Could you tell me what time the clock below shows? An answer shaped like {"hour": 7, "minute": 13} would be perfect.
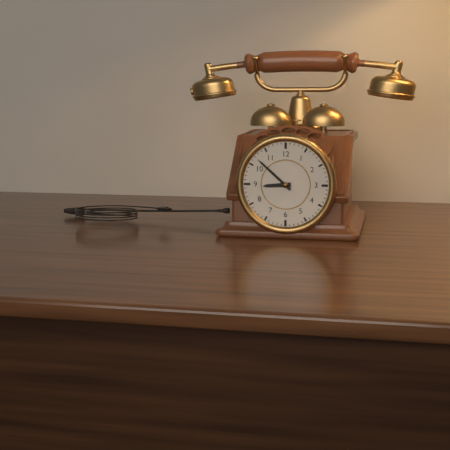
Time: {"hour": 8, "minute": 52}
